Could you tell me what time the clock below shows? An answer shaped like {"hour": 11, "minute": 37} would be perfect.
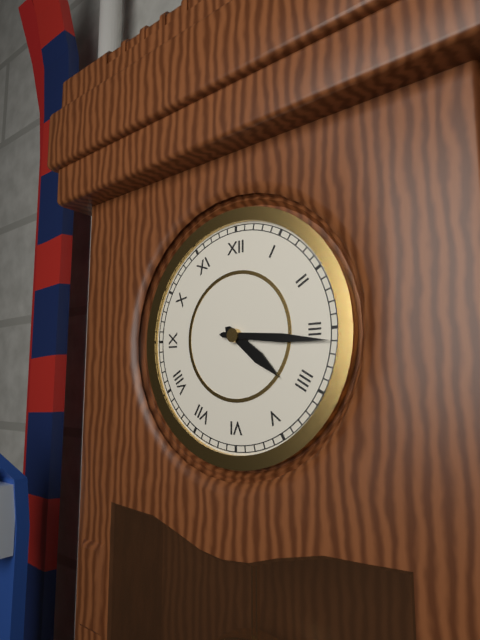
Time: {"hour": 4, "minute": 16}
